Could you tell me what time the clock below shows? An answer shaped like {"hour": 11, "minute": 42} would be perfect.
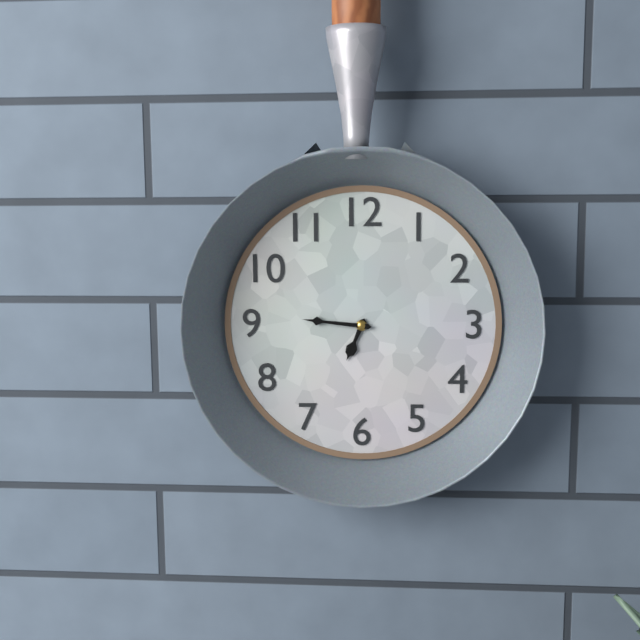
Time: {"hour": 6, "minute": 46}
